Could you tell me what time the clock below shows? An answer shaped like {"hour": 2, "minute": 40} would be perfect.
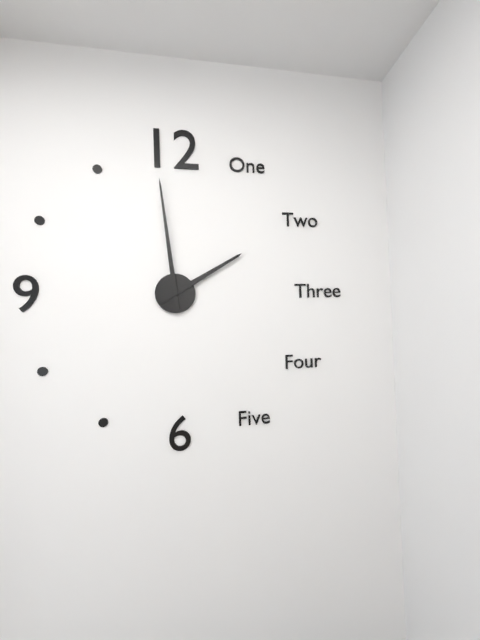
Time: {"hour": 1, "minute": 59}
